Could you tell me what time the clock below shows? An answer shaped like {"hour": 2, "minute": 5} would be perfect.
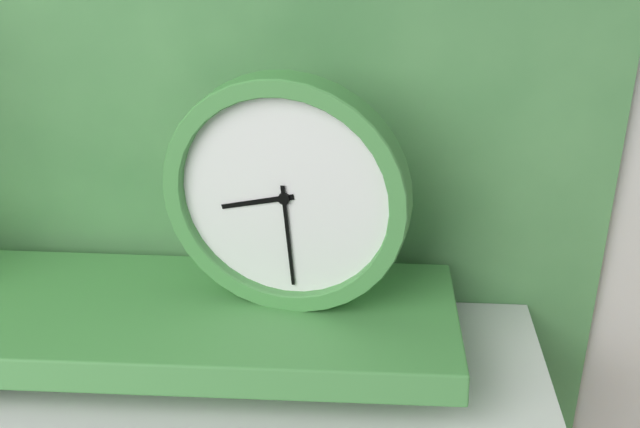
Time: {"hour": 8, "minute": 29}
